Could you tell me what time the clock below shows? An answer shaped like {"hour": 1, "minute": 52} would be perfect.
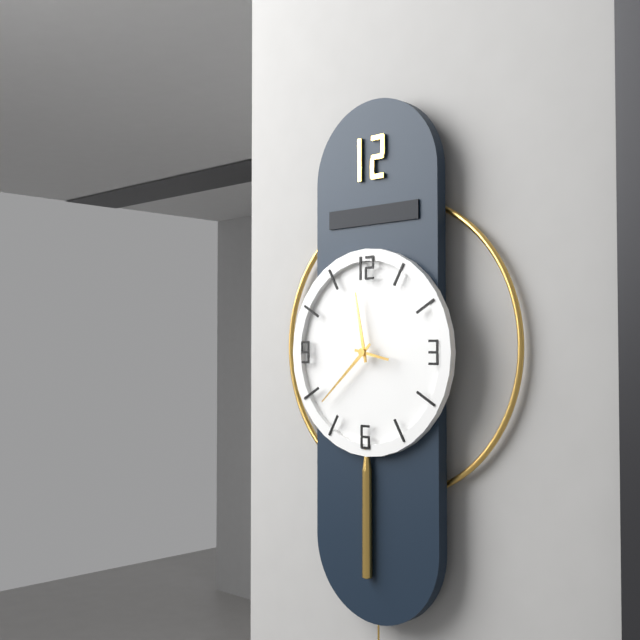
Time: {"hour": 11, "minute": 38}
